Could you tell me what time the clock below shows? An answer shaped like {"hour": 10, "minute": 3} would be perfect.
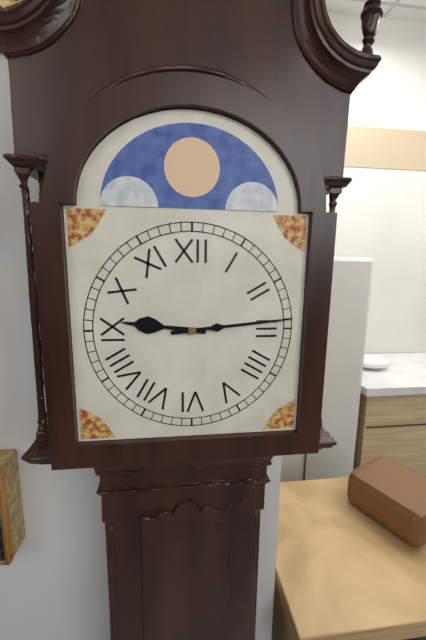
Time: {"hour": 9, "minute": 14}
